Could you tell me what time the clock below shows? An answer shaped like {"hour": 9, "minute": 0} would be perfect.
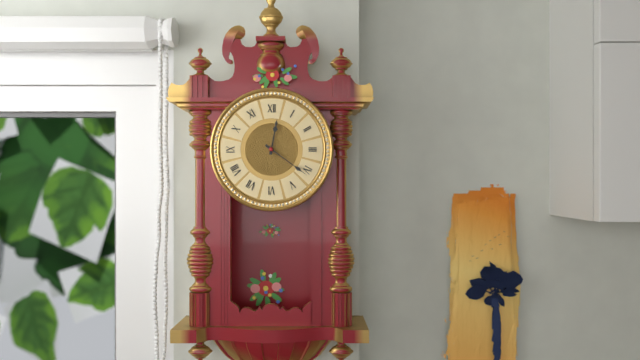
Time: {"hour": 12, "minute": 21}
